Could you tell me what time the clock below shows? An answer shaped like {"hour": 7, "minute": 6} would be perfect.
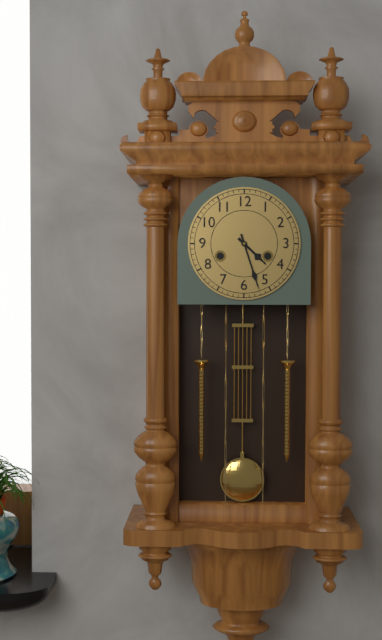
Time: {"hour": 4, "minute": 27}
